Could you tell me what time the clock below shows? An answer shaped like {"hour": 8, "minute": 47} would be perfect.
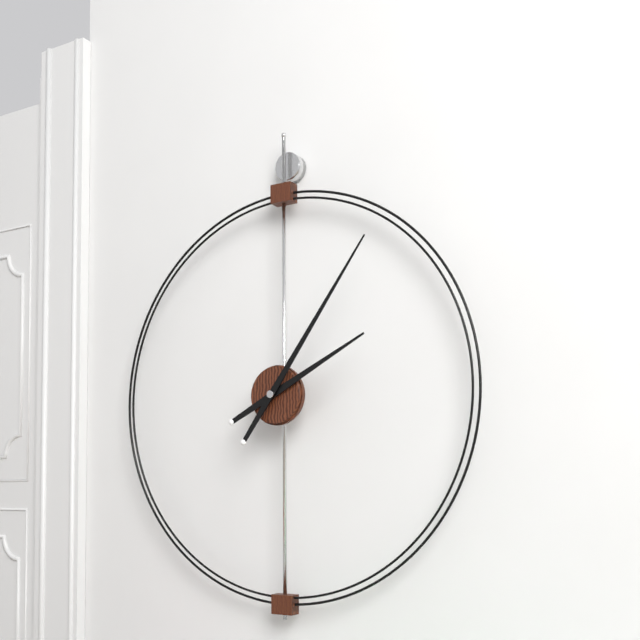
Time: {"hour": 2, "minute": 6}
